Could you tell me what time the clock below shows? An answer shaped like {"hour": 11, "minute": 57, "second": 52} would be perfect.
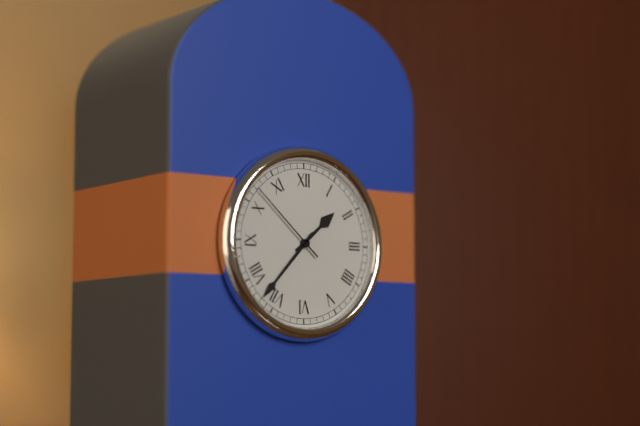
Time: {"hour": 1, "minute": 37, "second": 52}
